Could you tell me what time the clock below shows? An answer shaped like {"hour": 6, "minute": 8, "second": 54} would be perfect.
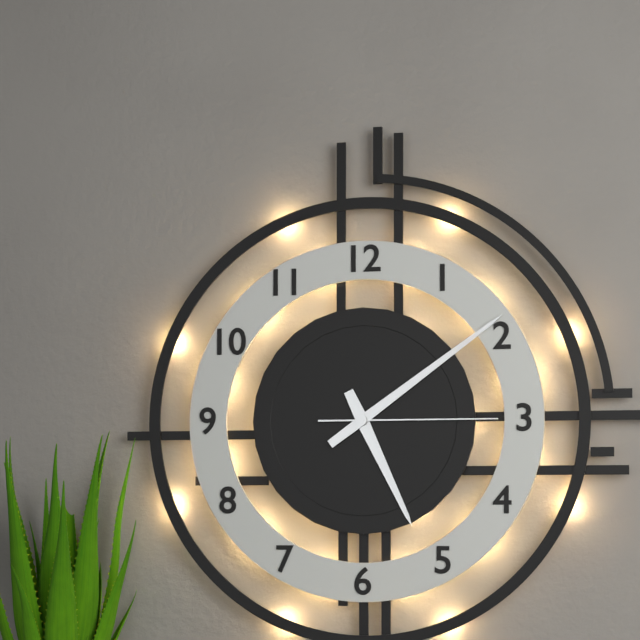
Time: {"hour": 5, "minute": 9, "second": 15}
